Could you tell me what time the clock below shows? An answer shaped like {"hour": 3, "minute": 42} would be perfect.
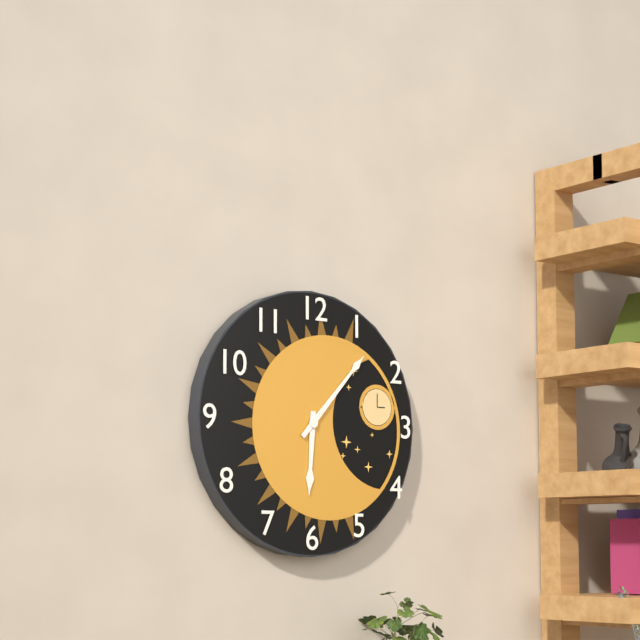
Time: {"hour": 6, "minute": 7}
